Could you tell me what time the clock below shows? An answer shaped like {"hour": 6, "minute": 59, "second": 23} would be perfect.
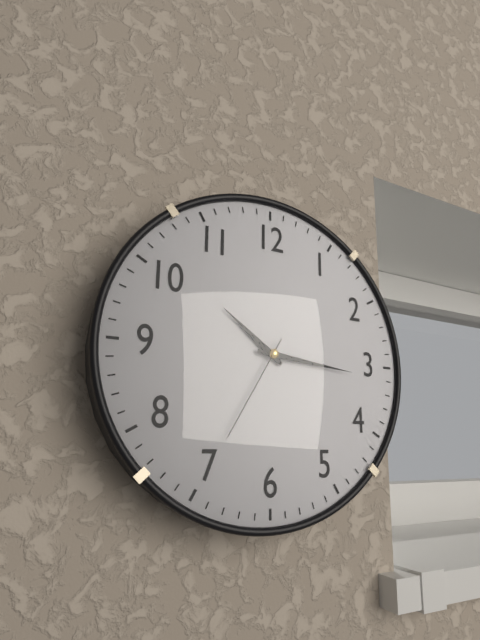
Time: {"hour": 10, "minute": 16, "second": 35}
